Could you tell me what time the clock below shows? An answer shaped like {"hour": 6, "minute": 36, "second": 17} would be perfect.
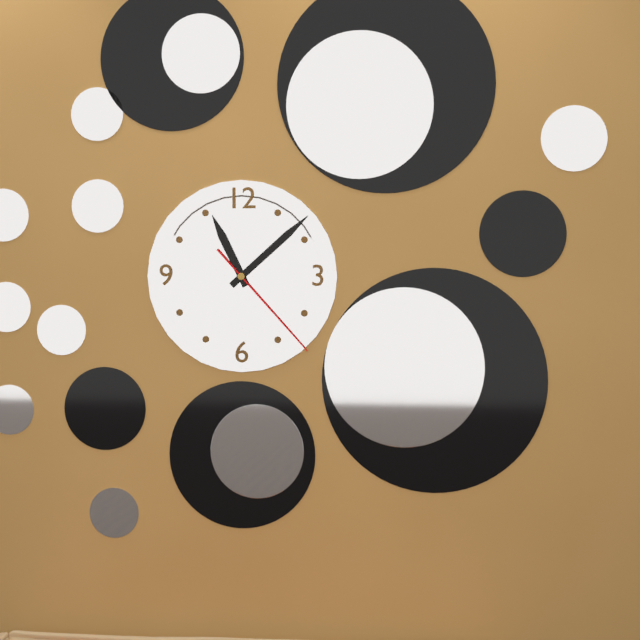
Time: {"hour": 11, "minute": 8, "second": 23}
